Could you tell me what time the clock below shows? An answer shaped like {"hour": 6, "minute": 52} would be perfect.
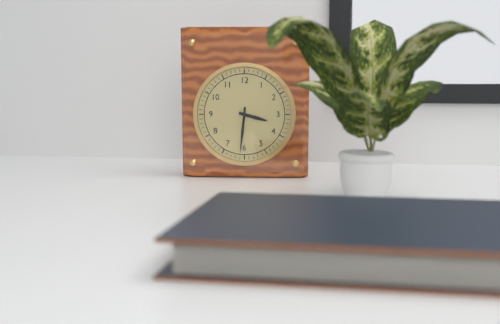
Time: {"hour": 3, "minute": 31}
